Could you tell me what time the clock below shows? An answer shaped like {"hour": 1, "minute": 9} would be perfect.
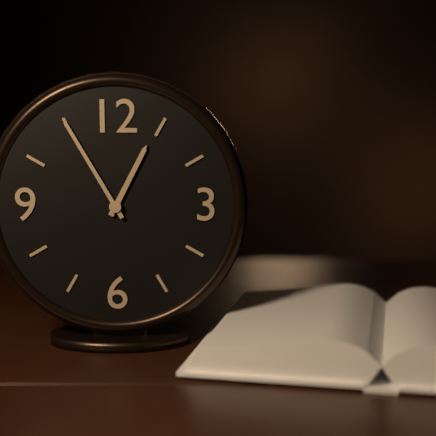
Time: {"hour": 12, "minute": 55}
